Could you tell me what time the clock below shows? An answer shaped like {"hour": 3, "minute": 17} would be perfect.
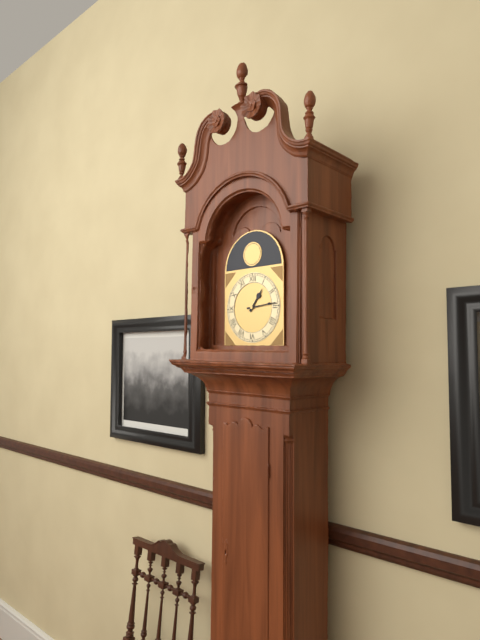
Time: {"hour": 1, "minute": 14}
